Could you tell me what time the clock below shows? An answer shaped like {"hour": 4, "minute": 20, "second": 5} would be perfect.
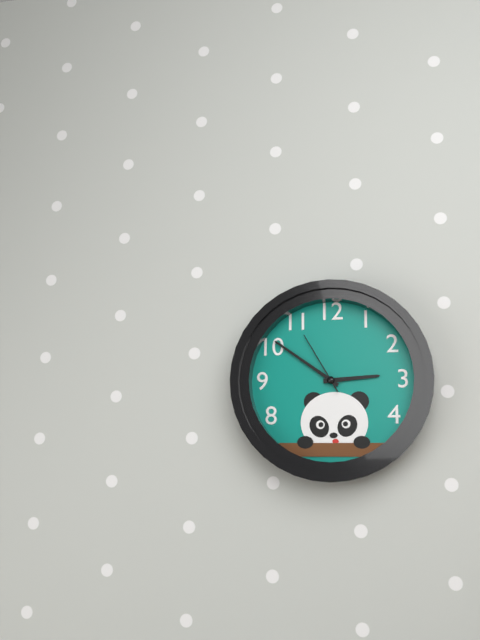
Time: {"hour": 2, "minute": 51, "second": 55}
